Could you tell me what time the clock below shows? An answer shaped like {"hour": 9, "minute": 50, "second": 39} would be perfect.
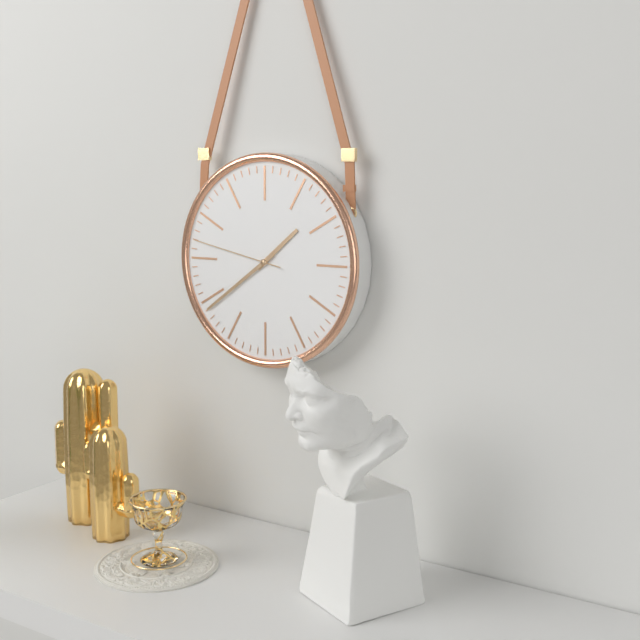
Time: {"hour": 1, "minute": 39, "second": 47}
